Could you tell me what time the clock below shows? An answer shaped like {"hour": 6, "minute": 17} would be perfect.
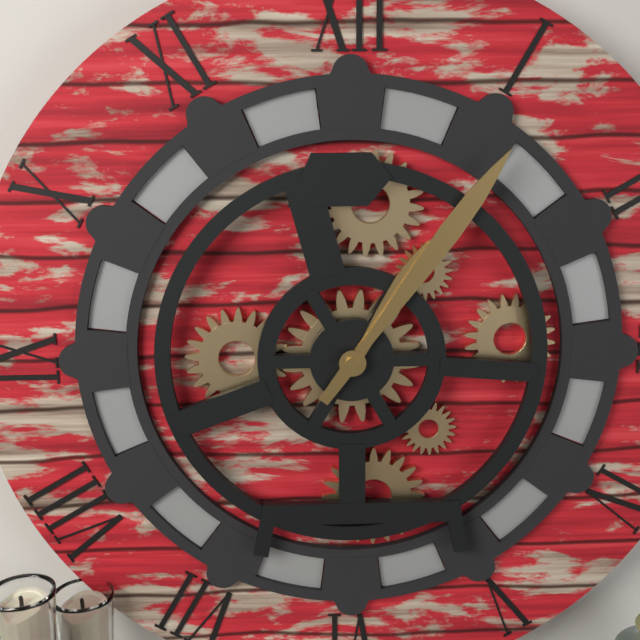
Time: {"hour": 1, "minute": 6}
